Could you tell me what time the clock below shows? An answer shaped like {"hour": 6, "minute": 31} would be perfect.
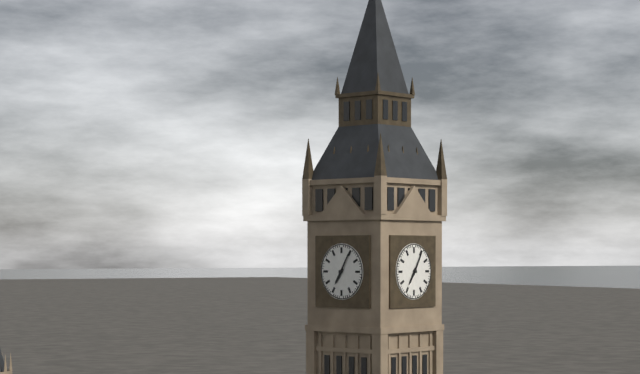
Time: {"hour": 7, "minute": 5}
